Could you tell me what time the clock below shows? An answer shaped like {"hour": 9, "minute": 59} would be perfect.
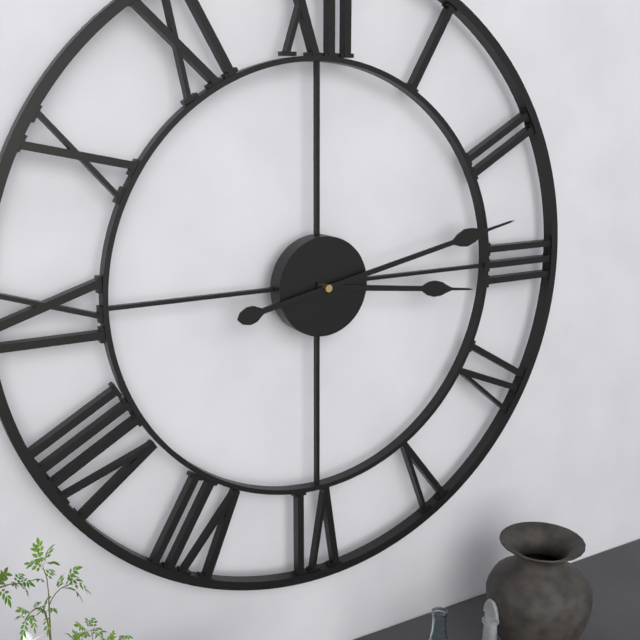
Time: {"hour": 3, "minute": 13}
